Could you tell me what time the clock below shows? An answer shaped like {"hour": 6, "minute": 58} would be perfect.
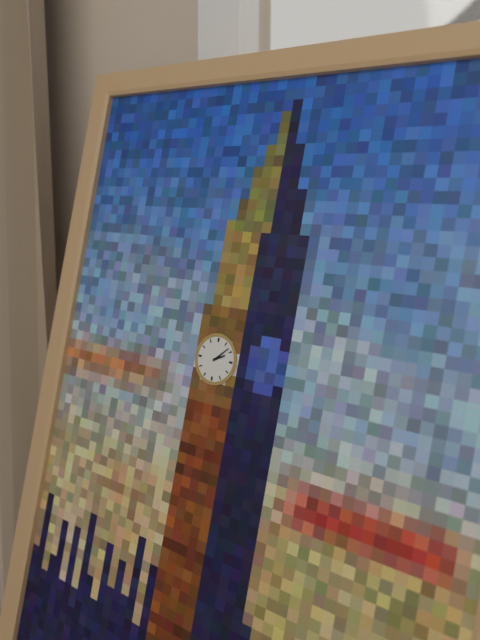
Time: {"hour": 2, "minute": 8}
